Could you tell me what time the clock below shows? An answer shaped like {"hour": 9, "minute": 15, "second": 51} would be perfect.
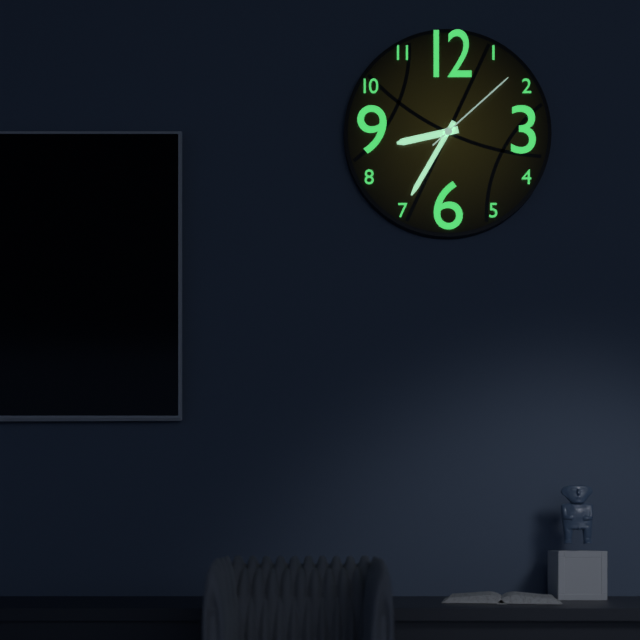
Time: {"hour": 8, "minute": 35, "second": 8}
